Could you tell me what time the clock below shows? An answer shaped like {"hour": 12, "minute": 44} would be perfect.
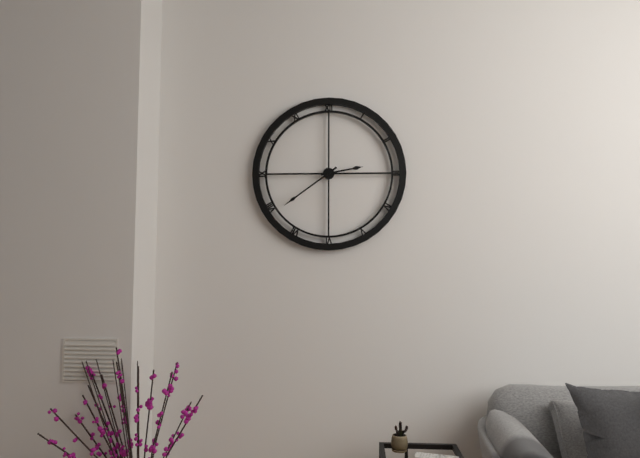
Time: {"hour": 2, "minute": 39}
